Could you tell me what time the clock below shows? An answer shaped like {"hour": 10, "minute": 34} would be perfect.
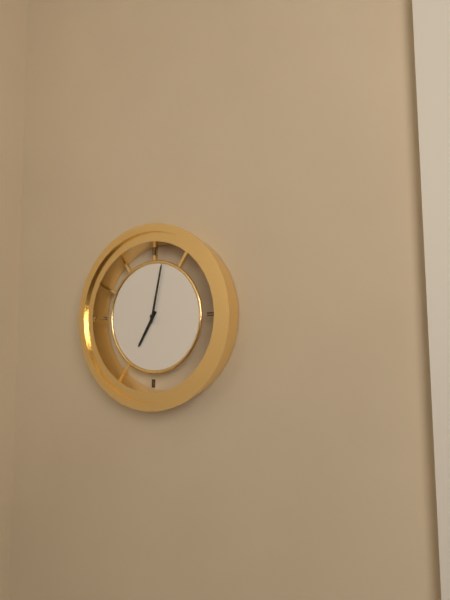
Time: {"hour": 7, "minute": 2}
